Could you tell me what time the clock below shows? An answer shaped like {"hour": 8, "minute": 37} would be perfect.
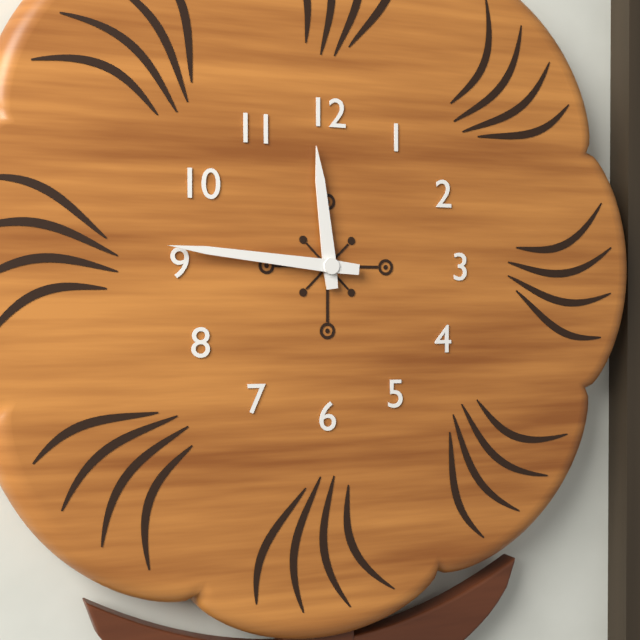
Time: {"hour": 11, "minute": 46}
